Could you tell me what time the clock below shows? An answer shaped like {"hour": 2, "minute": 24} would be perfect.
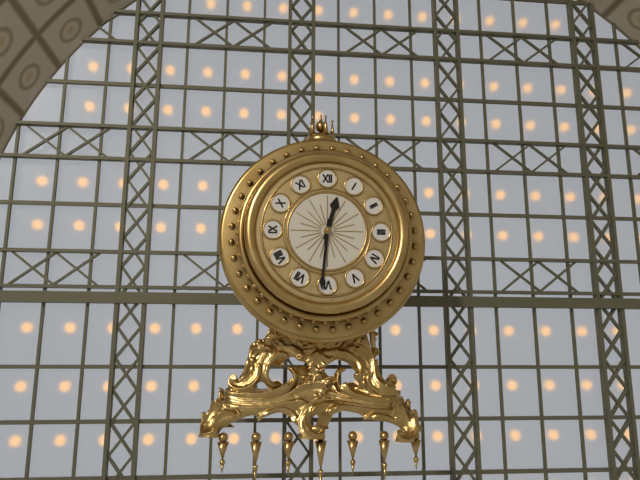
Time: {"hour": 12, "minute": 31}
